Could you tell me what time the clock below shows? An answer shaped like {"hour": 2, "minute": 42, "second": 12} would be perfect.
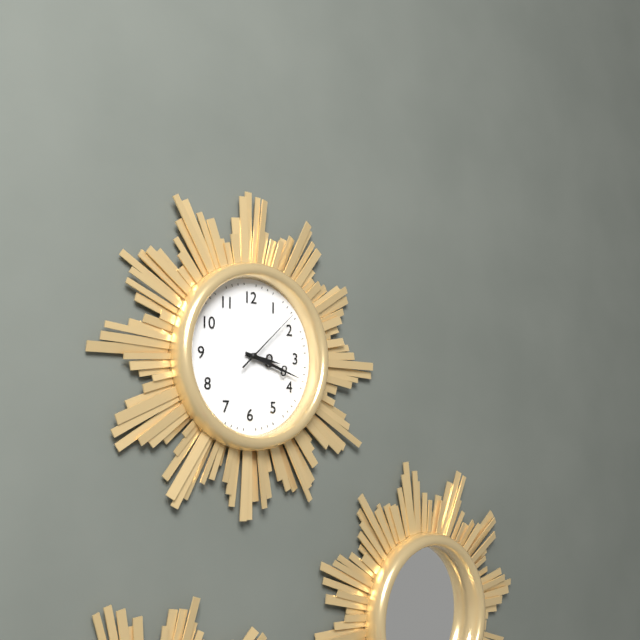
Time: {"hour": 3, "minute": 18, "second": 8}
